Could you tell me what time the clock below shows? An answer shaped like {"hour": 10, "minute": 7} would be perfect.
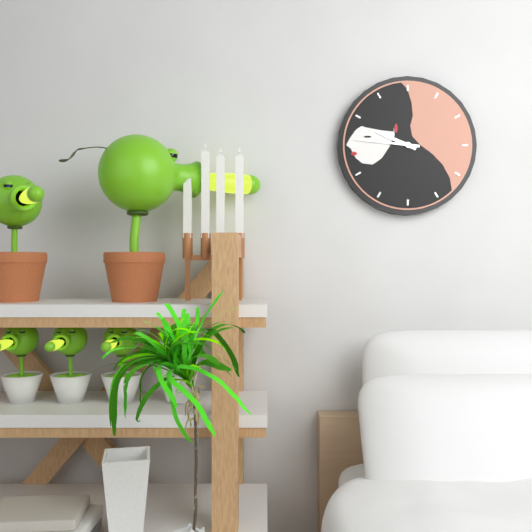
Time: {"hour": 9, "minute": 46}
